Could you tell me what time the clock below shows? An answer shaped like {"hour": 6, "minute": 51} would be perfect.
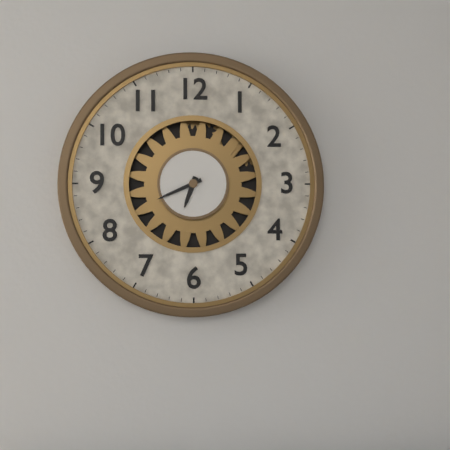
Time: {"hour": 6, "minute": 41}
